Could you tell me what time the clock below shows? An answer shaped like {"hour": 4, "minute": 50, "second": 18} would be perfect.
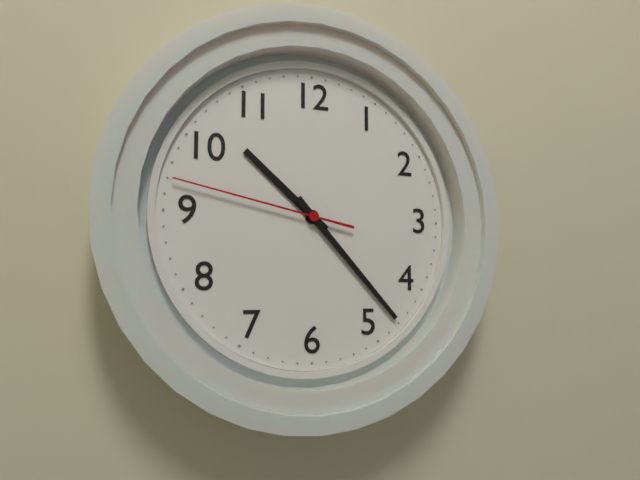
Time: {"hour": 10, "minute": 23, "second": 47}
